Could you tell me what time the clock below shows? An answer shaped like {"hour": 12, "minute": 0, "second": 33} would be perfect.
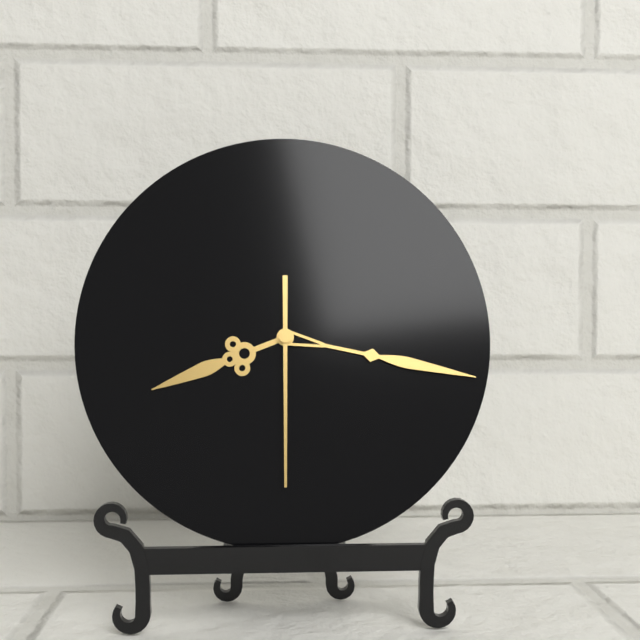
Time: {"hour": 8, "minute": 17, "second": 30}
